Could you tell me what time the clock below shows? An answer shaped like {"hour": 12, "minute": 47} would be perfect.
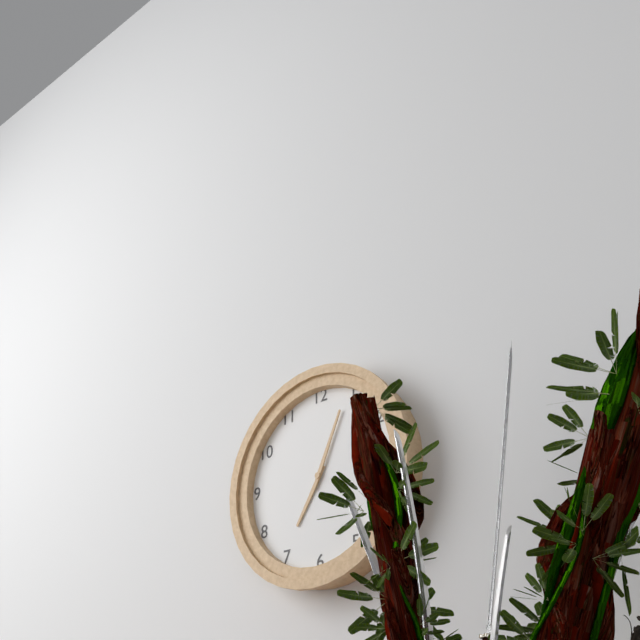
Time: {"hour": 7, "minute": 4}
